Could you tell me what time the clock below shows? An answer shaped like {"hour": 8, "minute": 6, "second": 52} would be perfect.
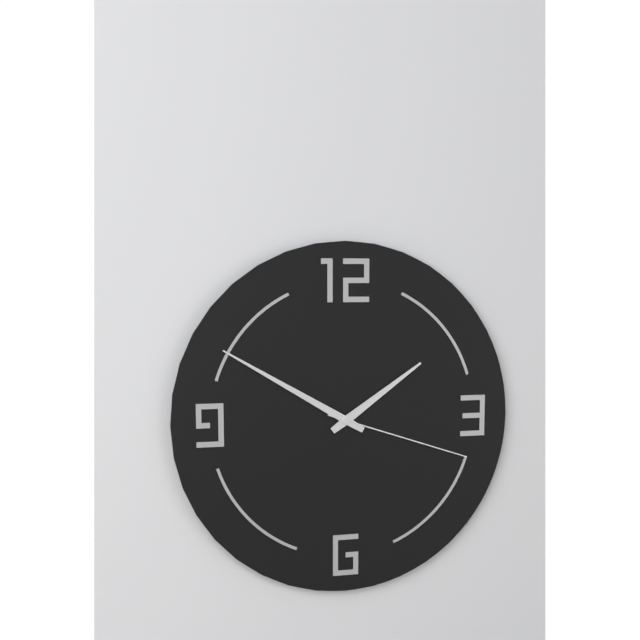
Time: {"hour": 1, "minute": 50, "second": 18}
